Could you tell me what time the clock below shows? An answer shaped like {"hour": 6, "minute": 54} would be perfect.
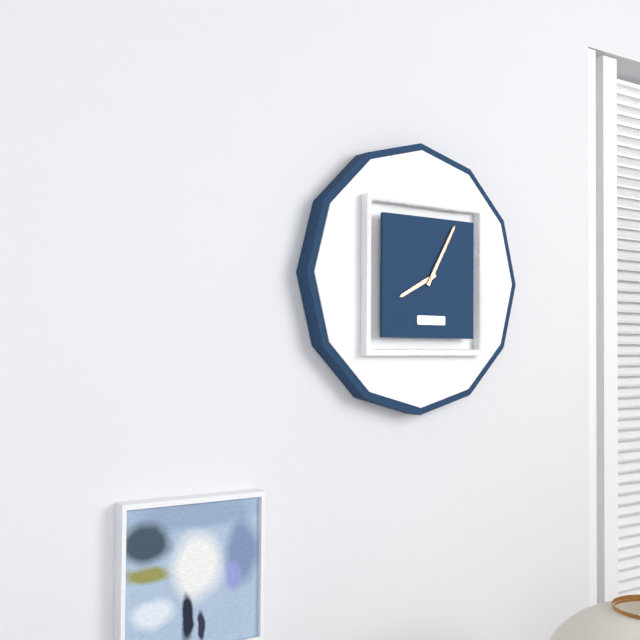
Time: {"hour": 8, "minute": 5}
